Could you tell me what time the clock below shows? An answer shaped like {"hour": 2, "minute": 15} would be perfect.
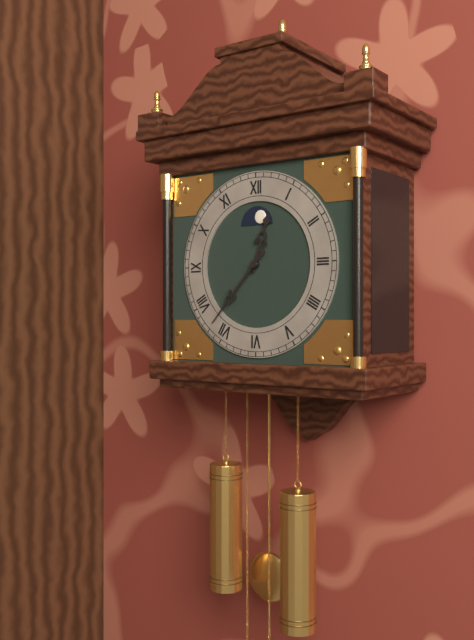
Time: {"hour": 12, "minute": 37}
